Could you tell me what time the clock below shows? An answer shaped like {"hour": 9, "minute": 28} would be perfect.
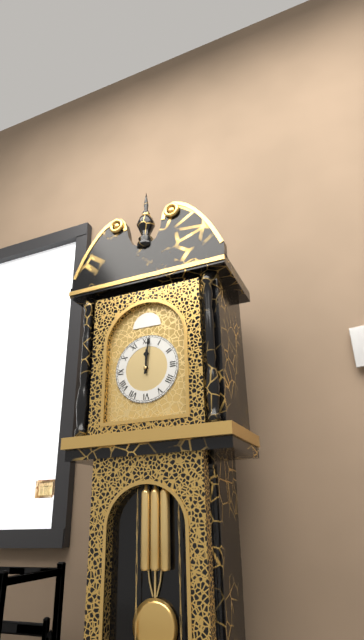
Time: {"hour": 12, "minute": 1}
